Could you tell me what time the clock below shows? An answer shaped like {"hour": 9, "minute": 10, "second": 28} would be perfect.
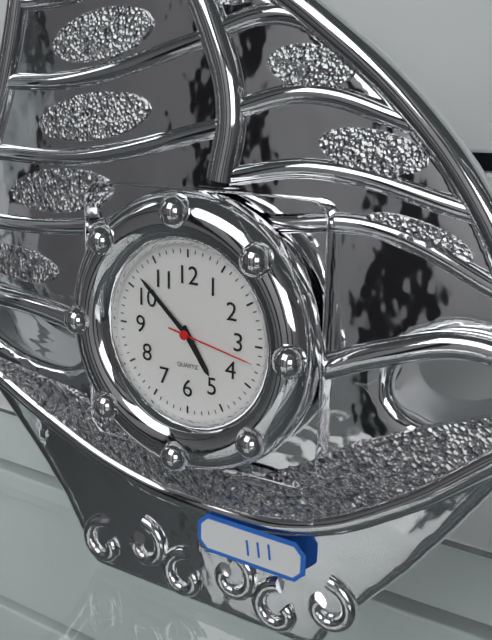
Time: {"hour": 4, "minute": 52, "second": 17}
